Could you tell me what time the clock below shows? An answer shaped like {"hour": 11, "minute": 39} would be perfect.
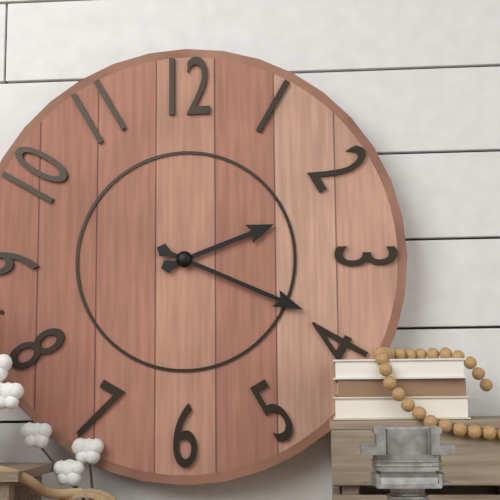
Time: {"hour": 2, "minute": 19}
